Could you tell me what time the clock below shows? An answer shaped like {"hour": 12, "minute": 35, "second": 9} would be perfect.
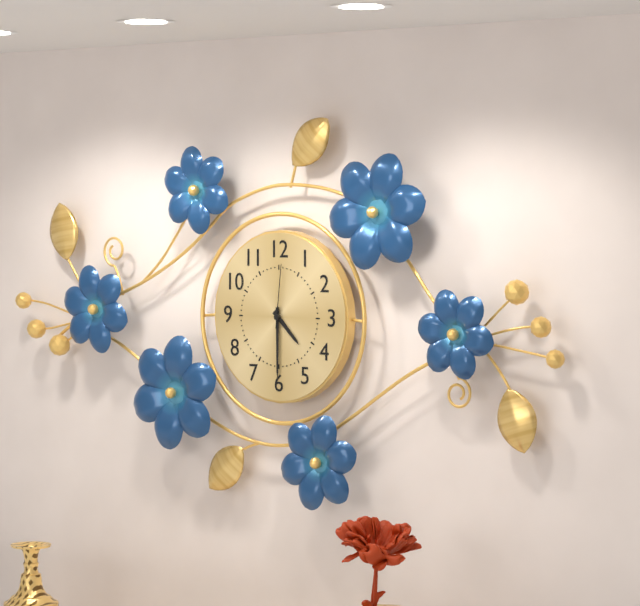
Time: {"hour": 4, "minute": 30, "second": 1}
